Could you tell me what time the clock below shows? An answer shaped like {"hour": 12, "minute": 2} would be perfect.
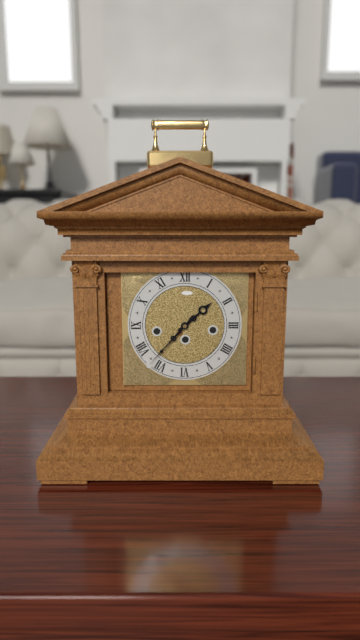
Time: {"hour": 1, "minute": 37}
